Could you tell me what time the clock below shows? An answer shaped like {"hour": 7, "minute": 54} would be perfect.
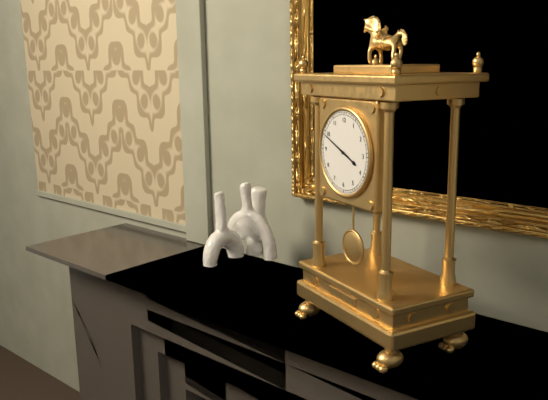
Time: {"hour": 3, "minute": 49}
